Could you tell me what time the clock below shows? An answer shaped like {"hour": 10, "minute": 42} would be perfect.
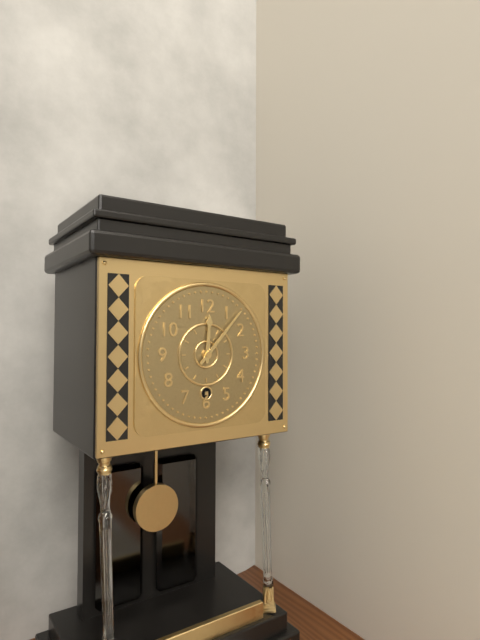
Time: {"hour": 12, "minute": 7}
